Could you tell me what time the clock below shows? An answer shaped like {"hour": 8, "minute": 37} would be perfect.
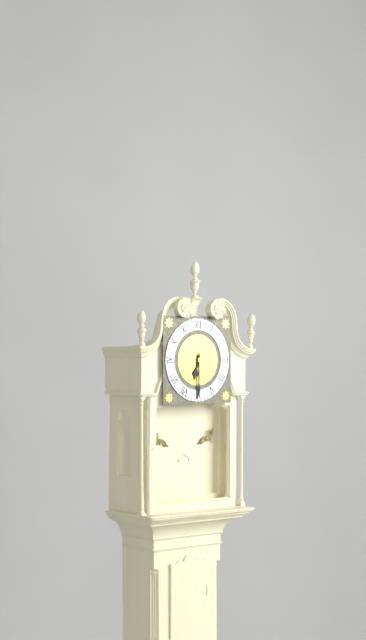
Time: {"hour": 6, "minute": 30}
